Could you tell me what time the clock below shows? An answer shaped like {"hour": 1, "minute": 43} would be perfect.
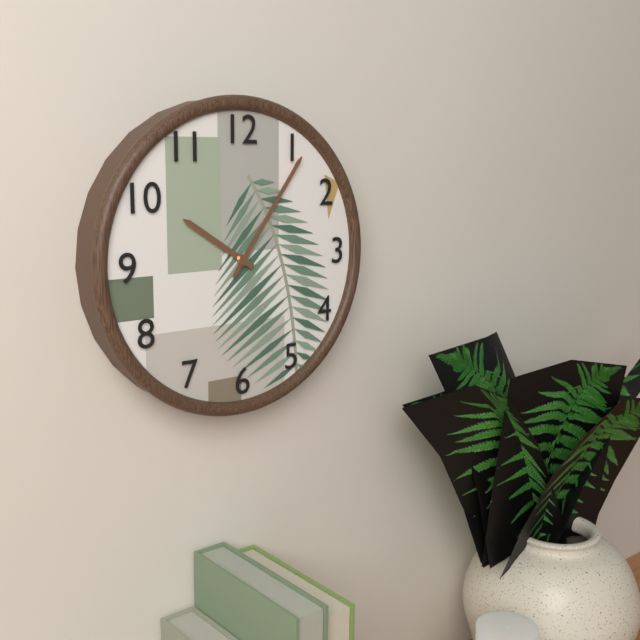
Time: {"hour": 10, "minute": 6}
